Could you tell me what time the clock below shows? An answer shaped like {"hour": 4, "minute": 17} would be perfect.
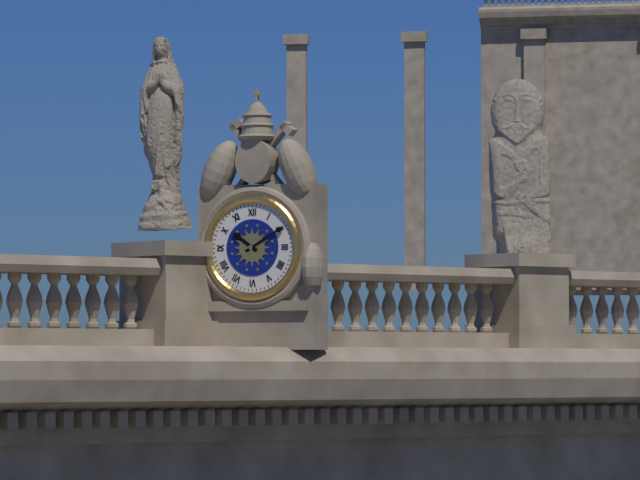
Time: {"hour": 10, "minute": 10}
